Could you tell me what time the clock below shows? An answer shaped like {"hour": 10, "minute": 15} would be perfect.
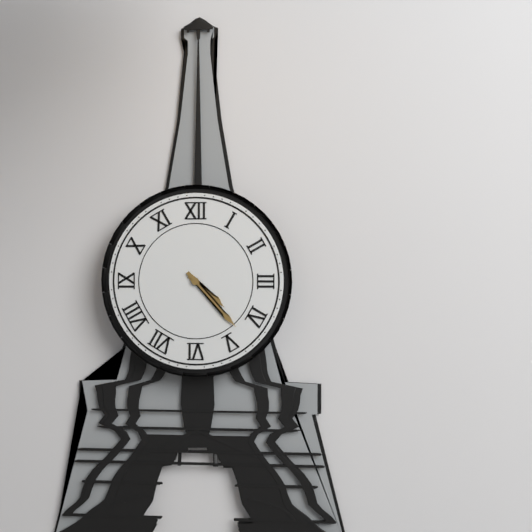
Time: {"hour": 4, "minute": 23}
